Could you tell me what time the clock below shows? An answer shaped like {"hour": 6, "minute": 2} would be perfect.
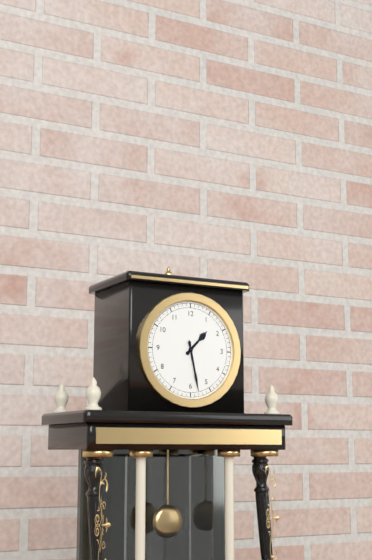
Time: {"hour": 1, "minute": 28}
